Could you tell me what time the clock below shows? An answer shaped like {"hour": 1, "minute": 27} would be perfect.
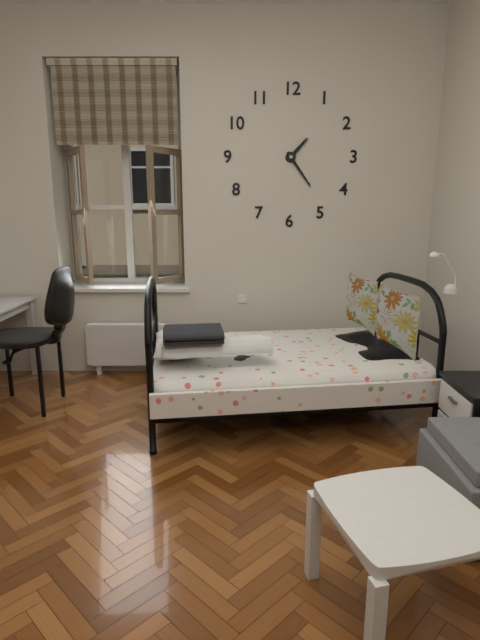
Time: {"hour": 1, "minute": 24}
